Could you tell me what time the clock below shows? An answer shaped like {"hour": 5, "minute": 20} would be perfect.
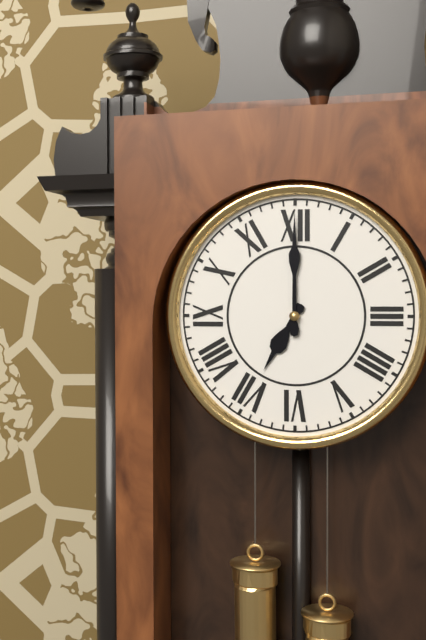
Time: {"hour": 7, "minute": 0}
